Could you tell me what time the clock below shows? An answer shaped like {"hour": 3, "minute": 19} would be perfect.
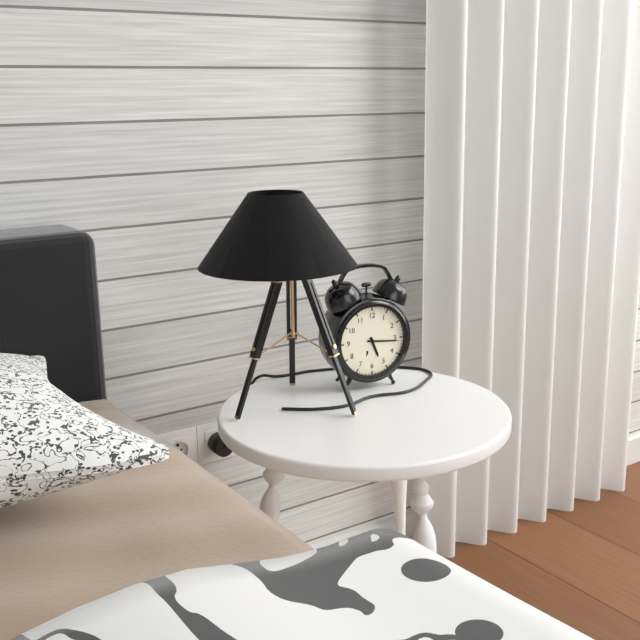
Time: {"hour": 5, "minute": 16}
